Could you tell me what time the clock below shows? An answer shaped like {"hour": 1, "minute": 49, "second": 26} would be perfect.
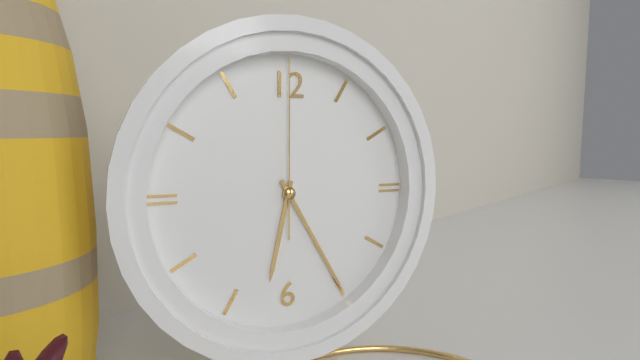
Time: {"hour": 6, "minute": 25, "second": 0}
